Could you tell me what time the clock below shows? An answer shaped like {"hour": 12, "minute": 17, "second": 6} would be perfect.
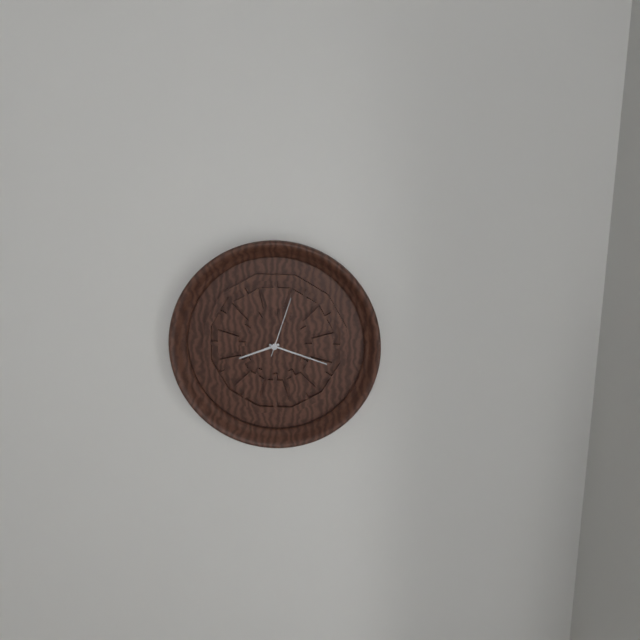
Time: {"hour": 8, "minute": 18, "second": 3}
